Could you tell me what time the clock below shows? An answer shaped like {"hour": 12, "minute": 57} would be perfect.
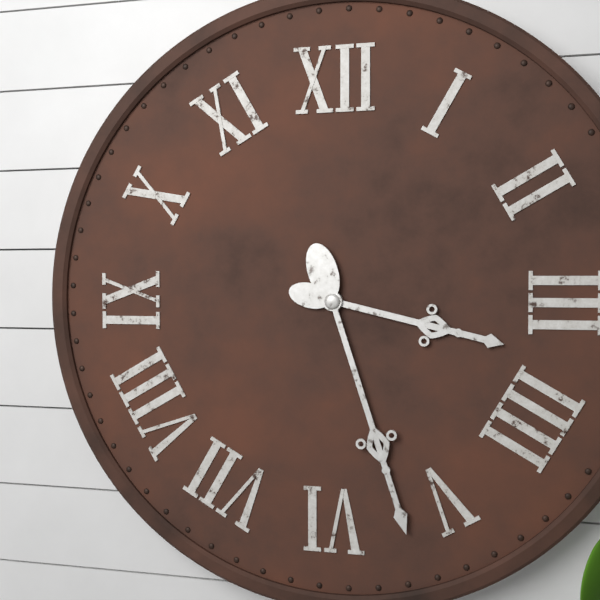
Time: {"hour": 3, "minute": 27}
